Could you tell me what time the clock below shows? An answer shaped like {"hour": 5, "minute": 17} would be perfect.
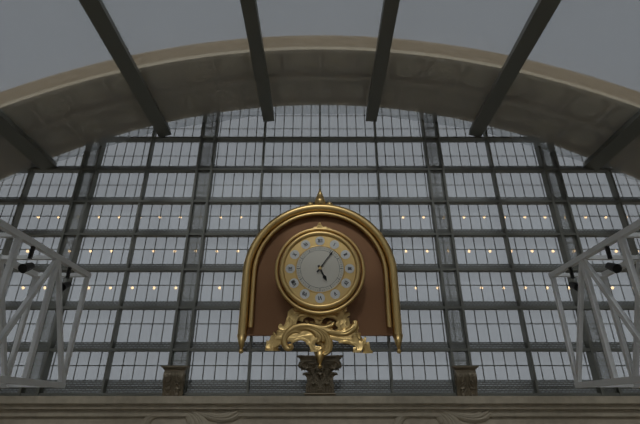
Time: {"hour": 5, "minute": 6}
